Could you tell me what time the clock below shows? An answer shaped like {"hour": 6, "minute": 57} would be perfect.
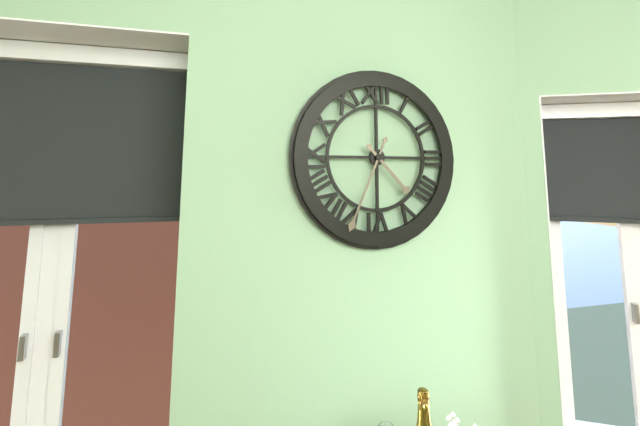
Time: {"hour": 4, "minute": 34}
